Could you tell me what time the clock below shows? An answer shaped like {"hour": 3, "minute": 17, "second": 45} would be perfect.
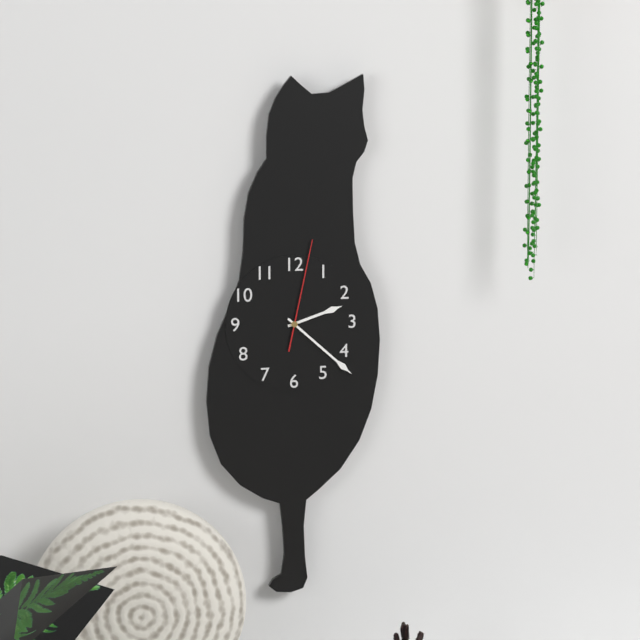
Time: {"hour": 2, "minute": 22, "second": 2}
